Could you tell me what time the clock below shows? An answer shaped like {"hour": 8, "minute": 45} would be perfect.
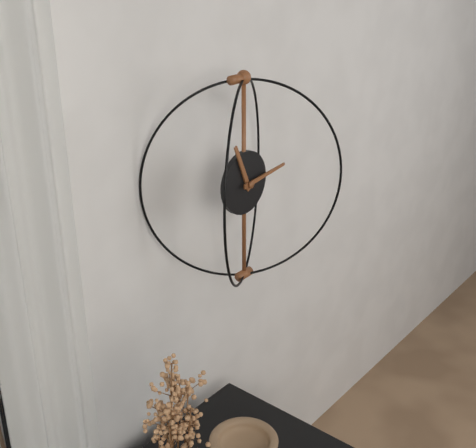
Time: {"hour": 11, "minute": 14}
